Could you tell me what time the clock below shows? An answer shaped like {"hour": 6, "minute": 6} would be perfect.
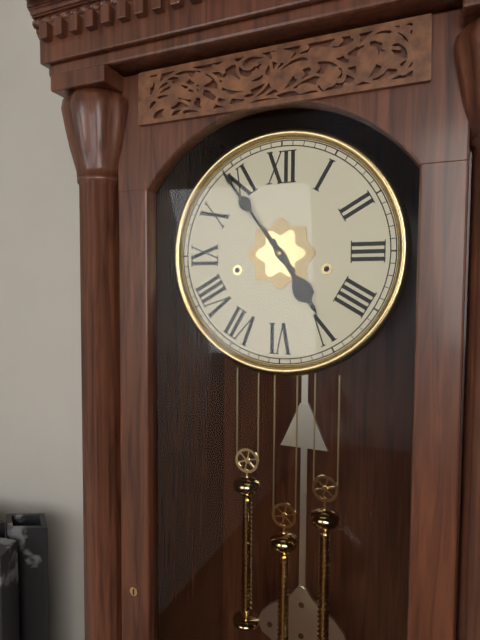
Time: {"hour": 4, "minute": 54}
